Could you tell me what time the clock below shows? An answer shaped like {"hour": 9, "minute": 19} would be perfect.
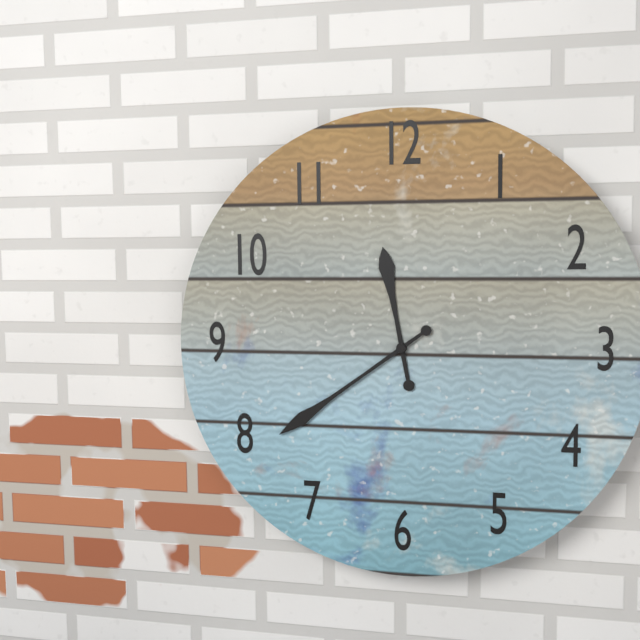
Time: {"hour": 11, "minute": 39}
